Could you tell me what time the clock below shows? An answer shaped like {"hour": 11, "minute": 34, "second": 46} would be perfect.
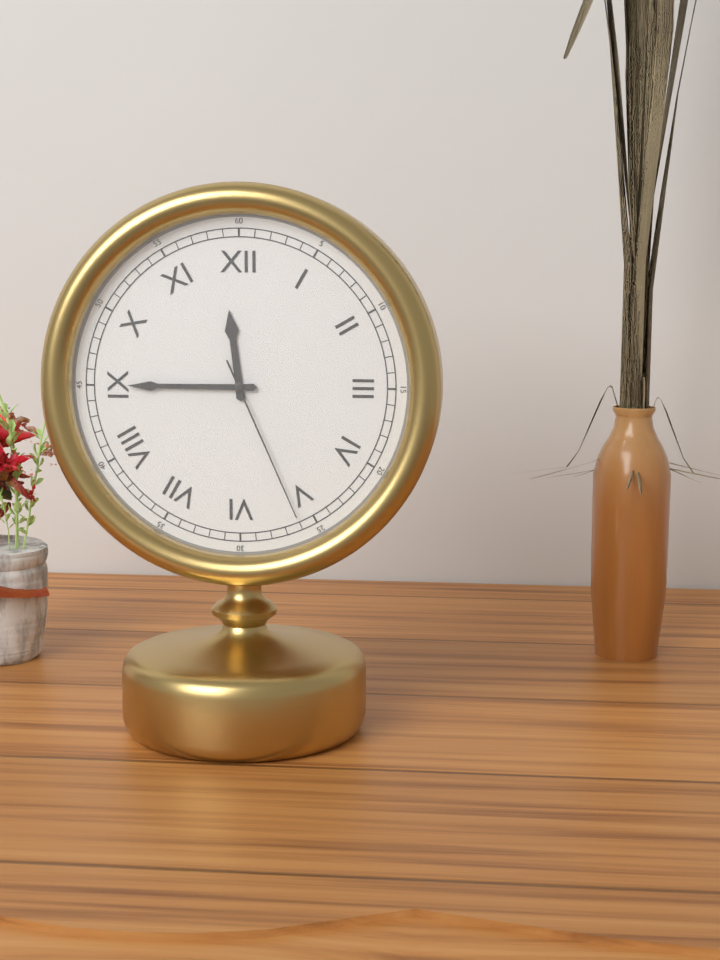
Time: {"hour": 11, "minute": 45, "second": 26}
